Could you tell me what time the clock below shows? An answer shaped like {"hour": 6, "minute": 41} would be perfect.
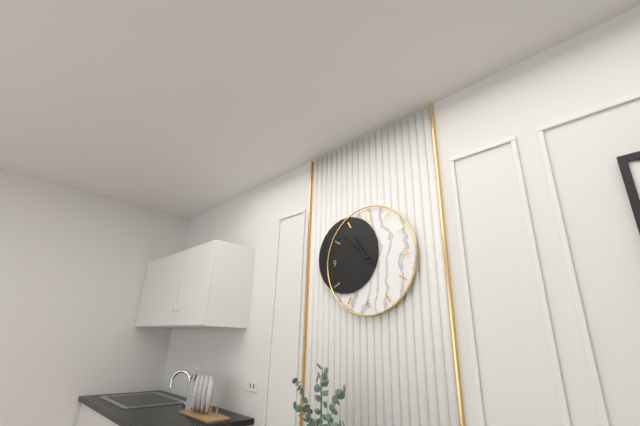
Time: {"hour": 10, "minute": 52}
